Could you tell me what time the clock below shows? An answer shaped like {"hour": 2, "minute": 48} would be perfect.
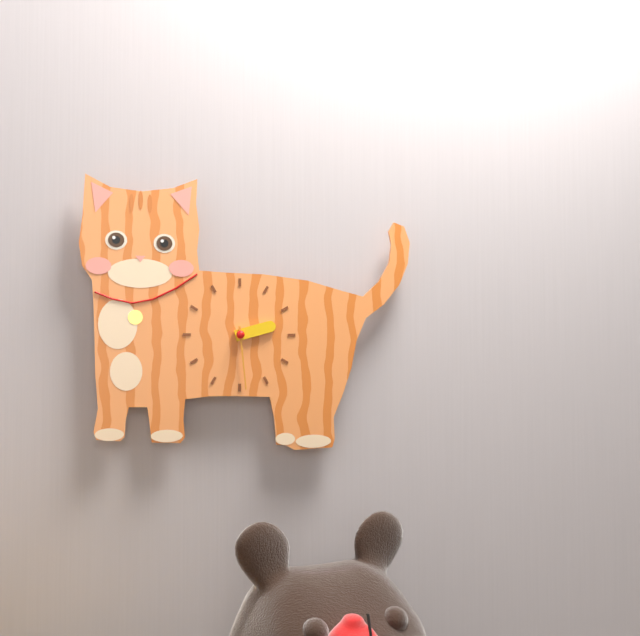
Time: {"hour": 2, "minute": 29}
